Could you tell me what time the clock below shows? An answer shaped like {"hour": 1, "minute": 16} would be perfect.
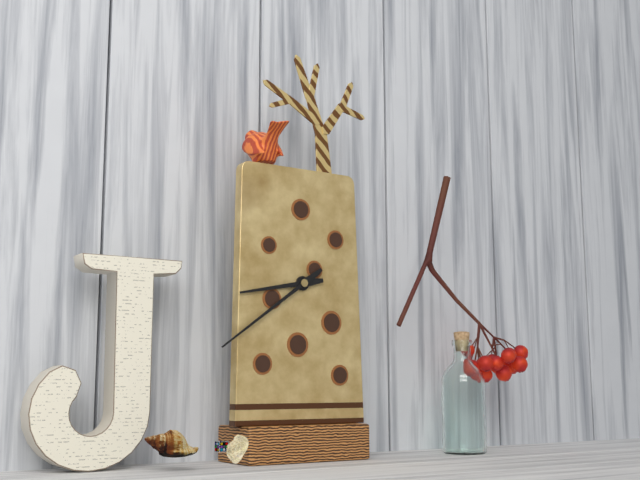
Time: {"hour": 8, "minute": 39}
